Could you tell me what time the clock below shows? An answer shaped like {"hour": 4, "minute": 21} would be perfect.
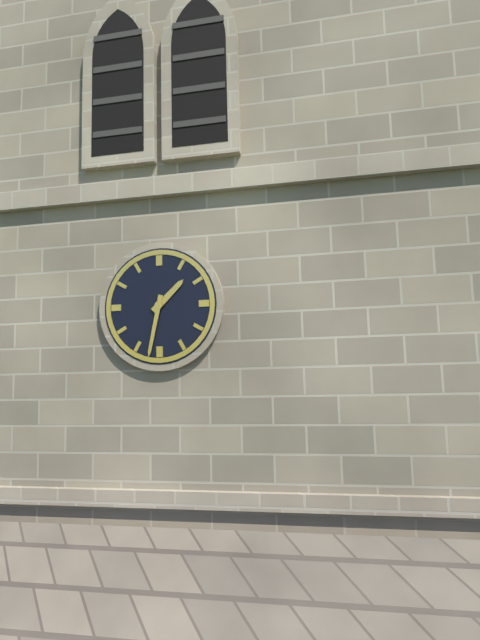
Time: {"hour": 1, "minute": 32}
